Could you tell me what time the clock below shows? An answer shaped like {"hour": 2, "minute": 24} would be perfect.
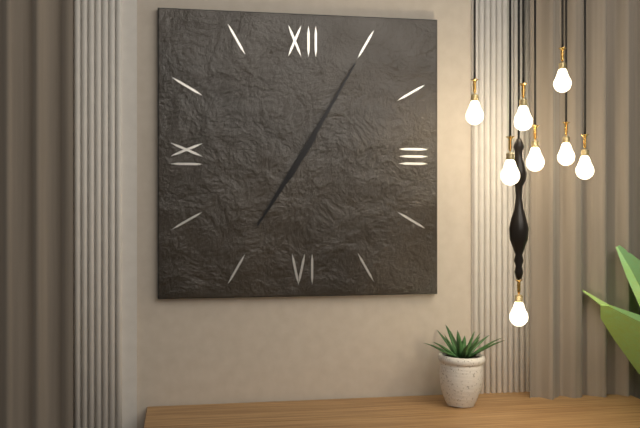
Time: {"hour": 7, "minute": 5}
